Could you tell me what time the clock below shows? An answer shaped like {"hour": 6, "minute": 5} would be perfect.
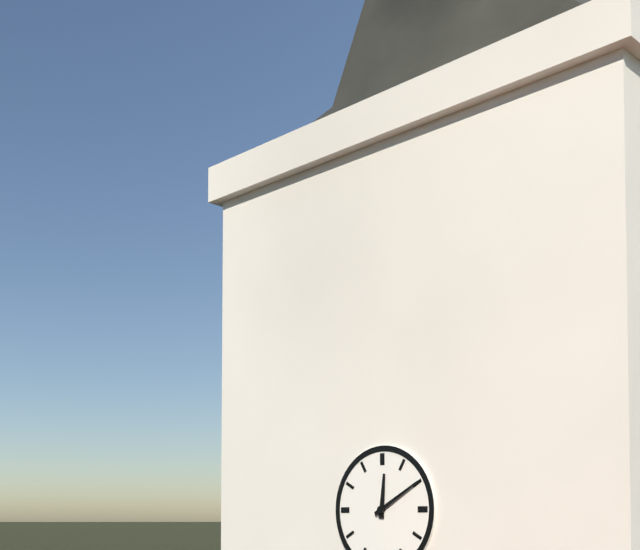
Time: {"hour": 12, "minute": 10}
